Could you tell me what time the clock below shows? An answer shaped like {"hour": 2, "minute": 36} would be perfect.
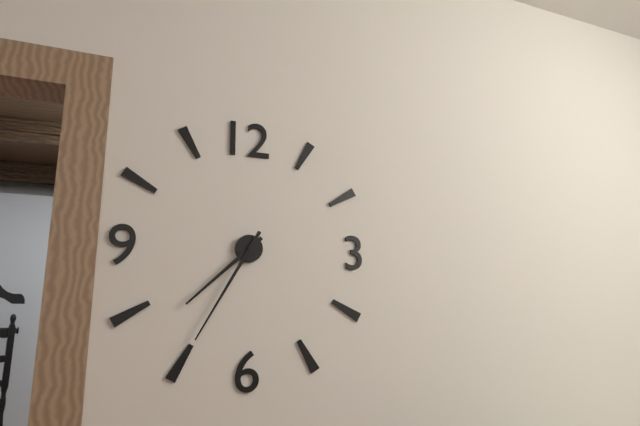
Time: {"hour": 7, "minute": 35}
